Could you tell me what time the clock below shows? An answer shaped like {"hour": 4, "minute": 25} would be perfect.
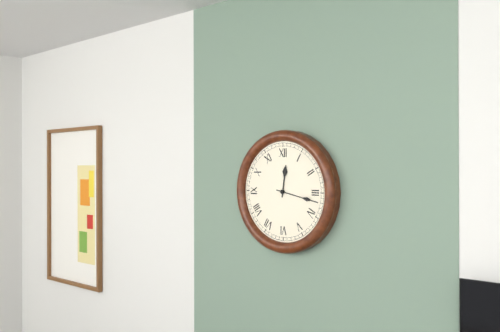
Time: {"hour": 12, "minute": 17}
